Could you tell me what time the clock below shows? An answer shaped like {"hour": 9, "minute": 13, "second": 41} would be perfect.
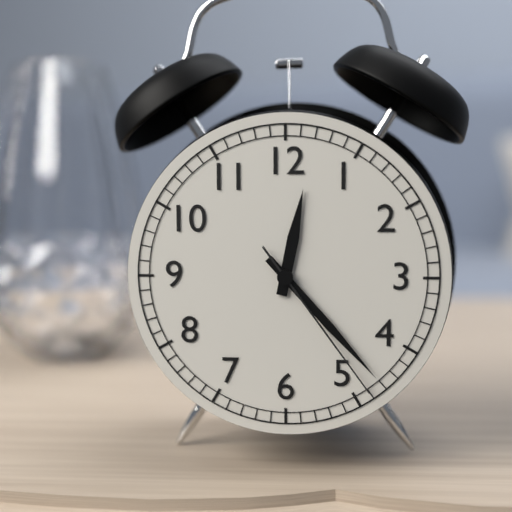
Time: {"hour": 12, "minute": 23, "second": 24}
